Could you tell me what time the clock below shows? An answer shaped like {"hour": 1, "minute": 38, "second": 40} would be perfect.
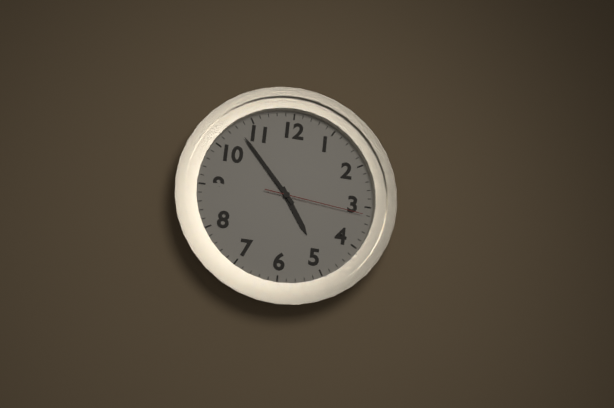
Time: {"hour": 4, "minute": 53, "second": 16}
